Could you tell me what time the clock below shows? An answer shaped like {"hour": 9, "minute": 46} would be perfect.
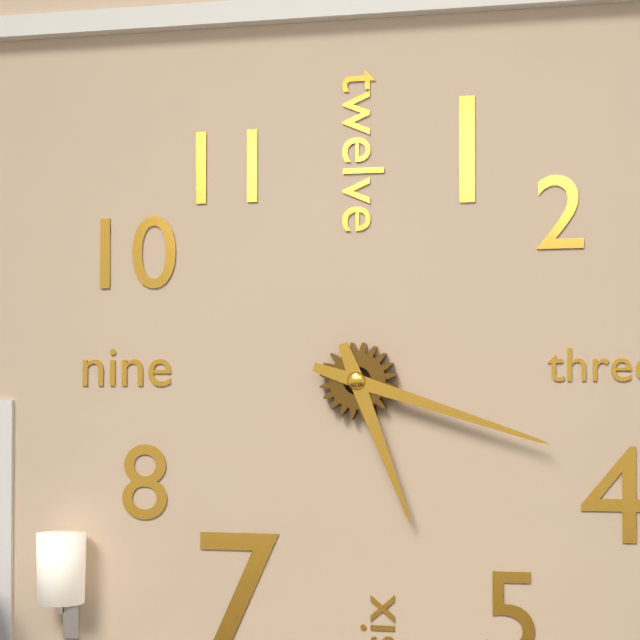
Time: {"hour": 5, "minute": 18}
